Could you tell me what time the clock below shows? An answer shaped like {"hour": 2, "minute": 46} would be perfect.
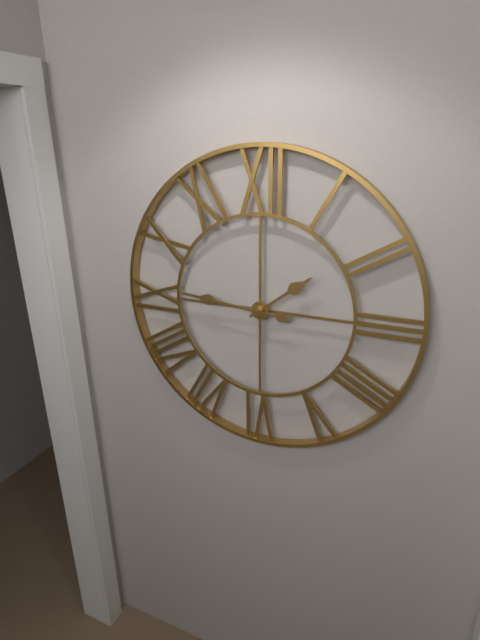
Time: {"hour": 1, "minute": 46}
